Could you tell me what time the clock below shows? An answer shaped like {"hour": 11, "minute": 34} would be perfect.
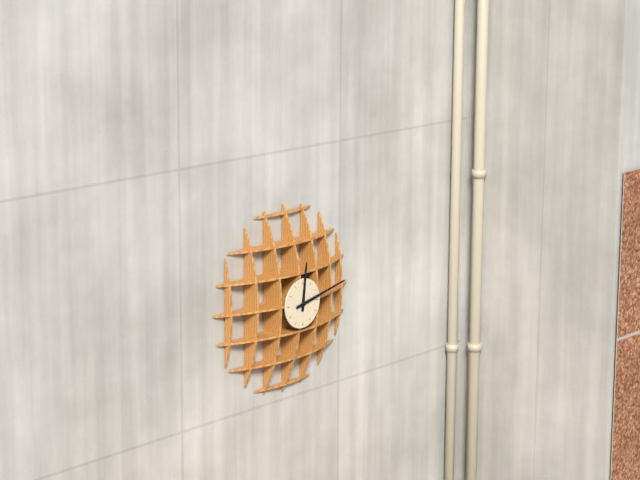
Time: {"hour": 12, "minute": 13}
